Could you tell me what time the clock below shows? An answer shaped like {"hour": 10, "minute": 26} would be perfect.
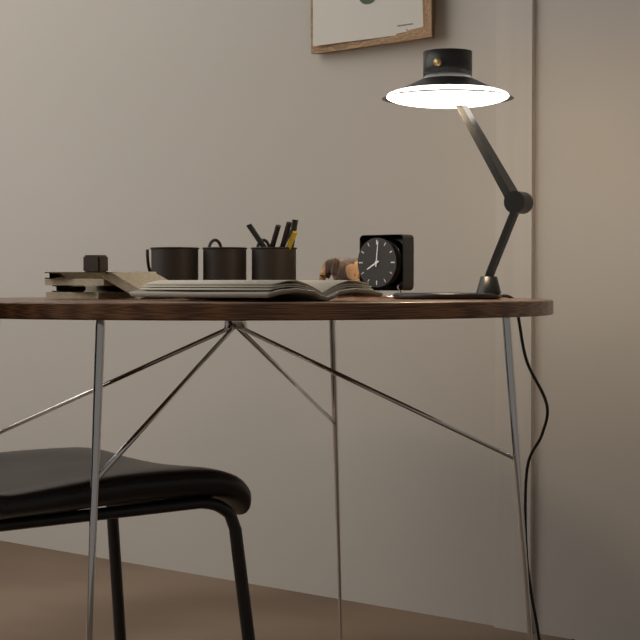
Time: {"hour": 8, "minute": 1}
